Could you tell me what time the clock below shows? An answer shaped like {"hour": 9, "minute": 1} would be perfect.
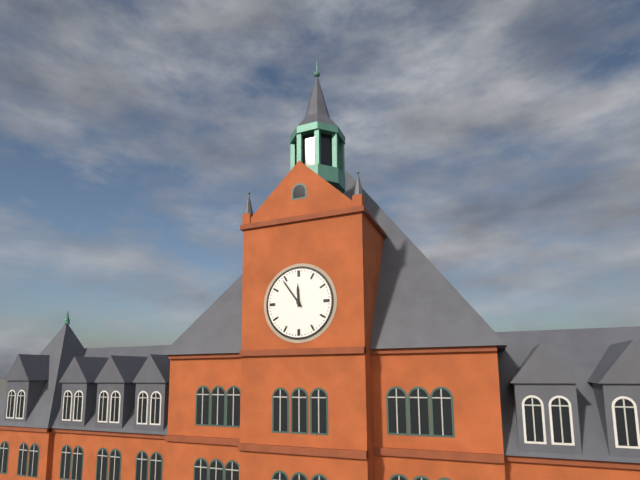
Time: {"hour": 11, "minute": 54}
